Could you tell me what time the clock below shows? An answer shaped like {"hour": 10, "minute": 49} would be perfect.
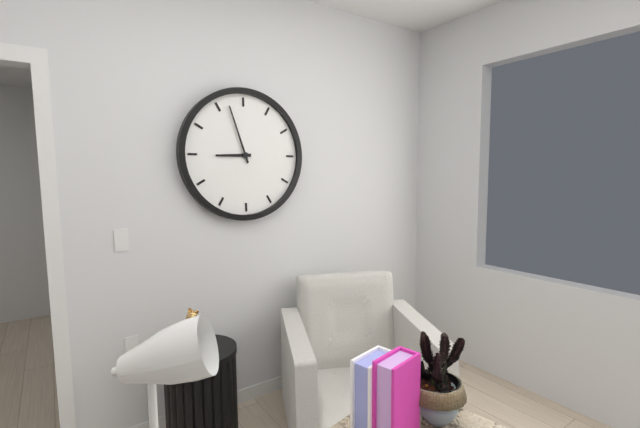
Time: {"hour": 8, "minute": 57}
